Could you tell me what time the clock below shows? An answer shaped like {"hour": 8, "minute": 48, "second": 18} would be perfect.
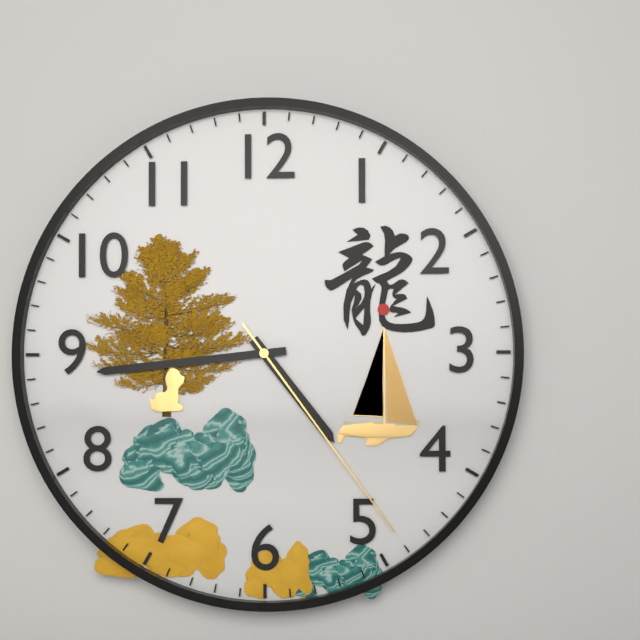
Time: {"hour": 4, "minute": 44, "second": 24}
